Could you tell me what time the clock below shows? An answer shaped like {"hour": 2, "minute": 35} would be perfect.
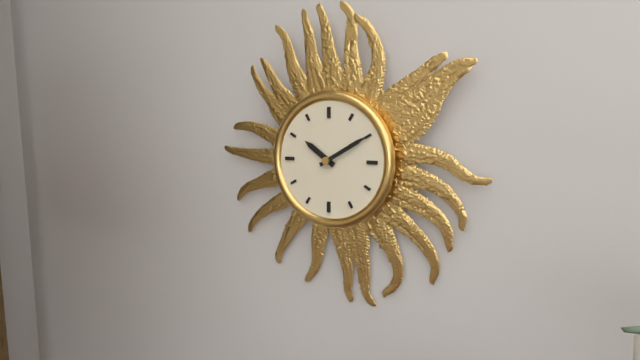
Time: {"hour": 10, "minute": 10}
